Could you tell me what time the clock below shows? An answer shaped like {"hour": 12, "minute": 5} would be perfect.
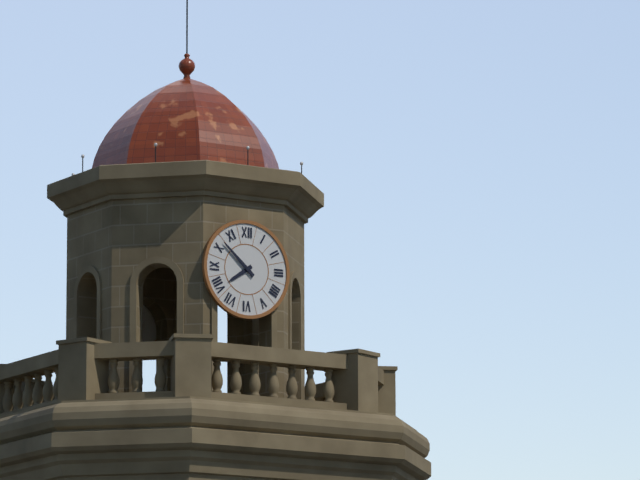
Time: {"hour": 7, "minute": 52}
